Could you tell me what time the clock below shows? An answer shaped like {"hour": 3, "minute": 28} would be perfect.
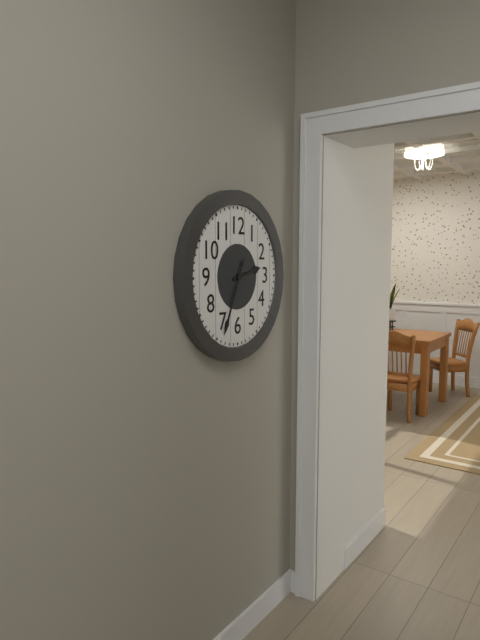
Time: {"hour": 2, "minute": 34}
